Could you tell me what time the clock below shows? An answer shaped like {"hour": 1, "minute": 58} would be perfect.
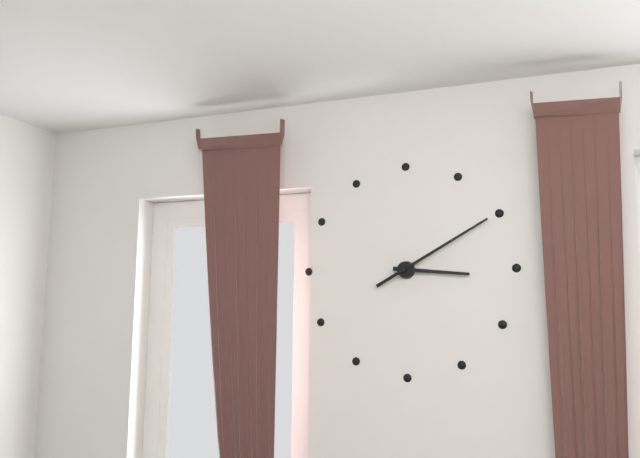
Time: {"hour": 3, "minute": 10}
